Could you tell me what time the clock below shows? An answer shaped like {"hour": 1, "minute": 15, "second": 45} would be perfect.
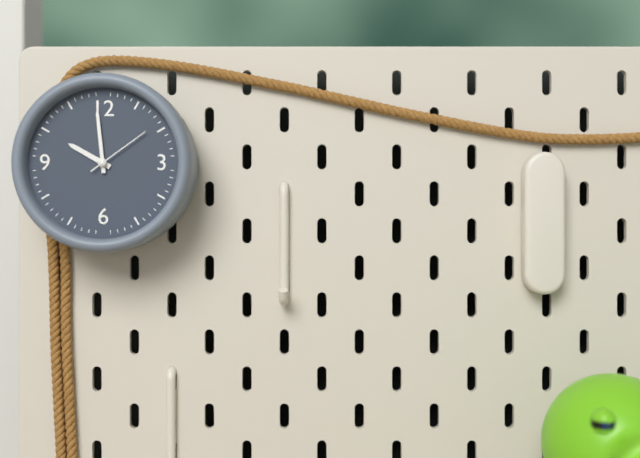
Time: {"hour": 9, "minute": 59, "second": 9}
